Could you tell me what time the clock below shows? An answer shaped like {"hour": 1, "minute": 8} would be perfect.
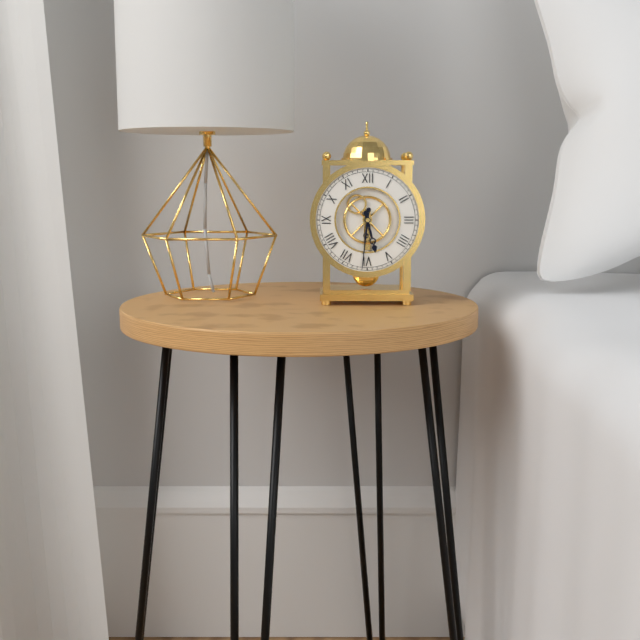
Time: {"hour": 5, "minute": 31}
